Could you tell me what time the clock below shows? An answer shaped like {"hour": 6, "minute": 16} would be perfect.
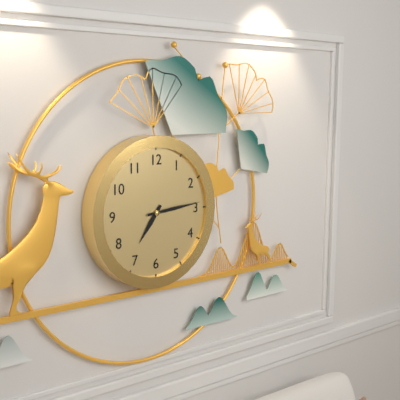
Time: {"hour": 7, "minute": 14}
